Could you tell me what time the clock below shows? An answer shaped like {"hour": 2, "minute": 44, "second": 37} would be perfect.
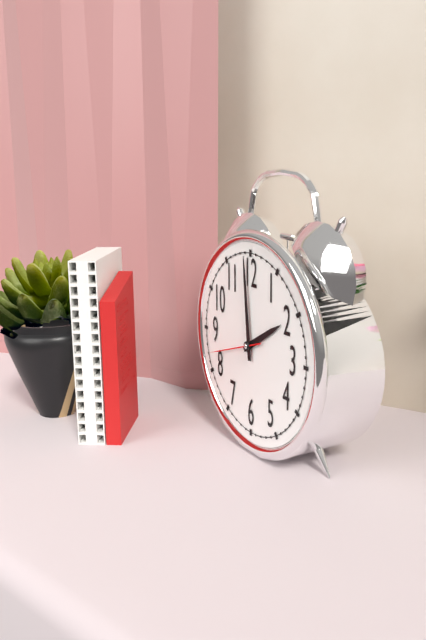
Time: {"hour": 1, "minute": 59, "second": 42}
